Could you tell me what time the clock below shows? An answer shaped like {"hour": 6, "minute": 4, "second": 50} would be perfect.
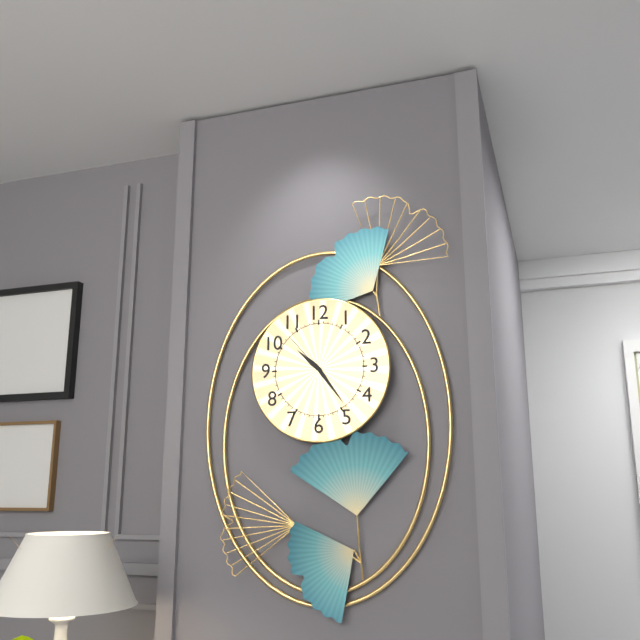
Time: {"hour": 10, "minute": 24, "second": 53}
